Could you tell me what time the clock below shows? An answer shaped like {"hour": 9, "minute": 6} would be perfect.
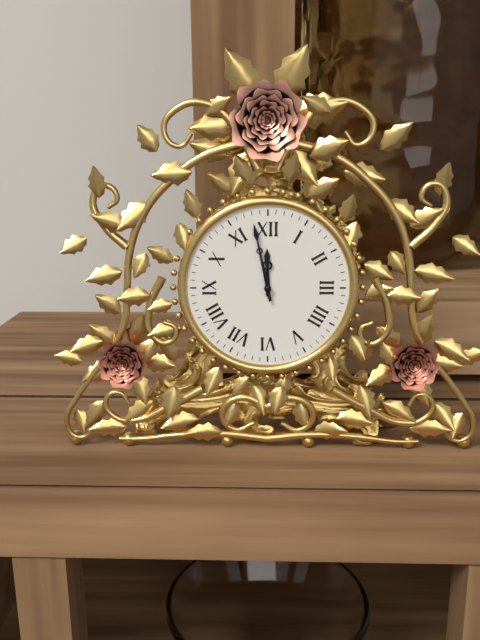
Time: {"hour": 11, "minute": 58}
